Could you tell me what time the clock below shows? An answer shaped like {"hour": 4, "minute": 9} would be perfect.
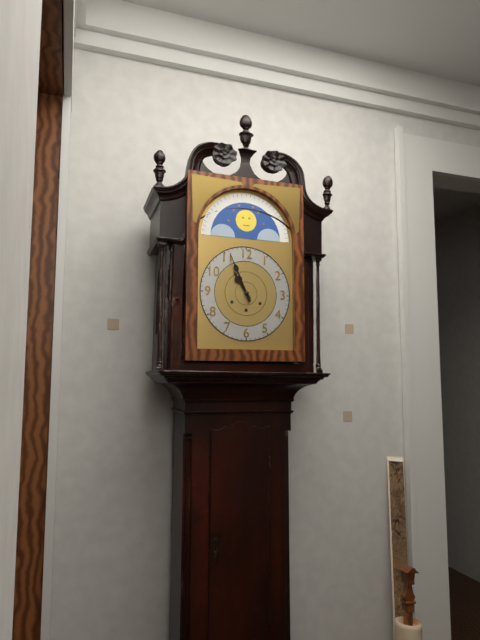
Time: {"hour": 10, "minute": 56}
